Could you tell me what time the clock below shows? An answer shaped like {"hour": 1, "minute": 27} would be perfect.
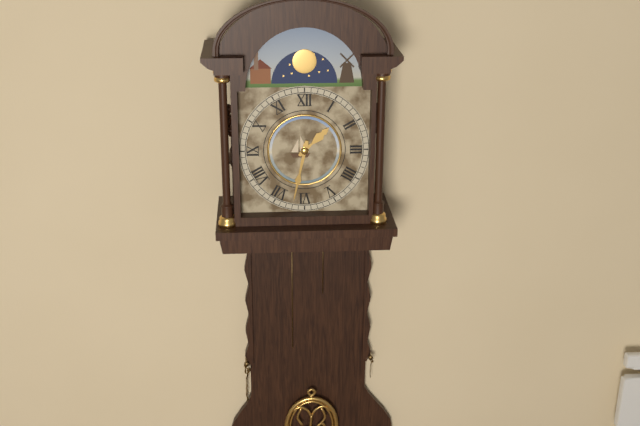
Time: {"hour": 1, "minute": 32}
